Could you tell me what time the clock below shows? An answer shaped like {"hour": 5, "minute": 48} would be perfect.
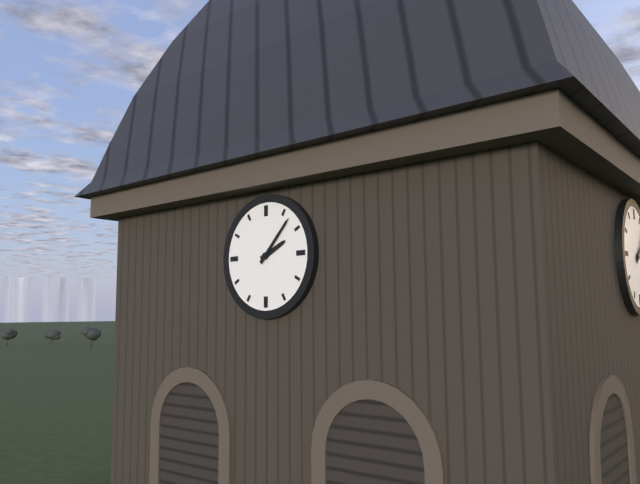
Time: {"hour": 2, "minute": 7}
